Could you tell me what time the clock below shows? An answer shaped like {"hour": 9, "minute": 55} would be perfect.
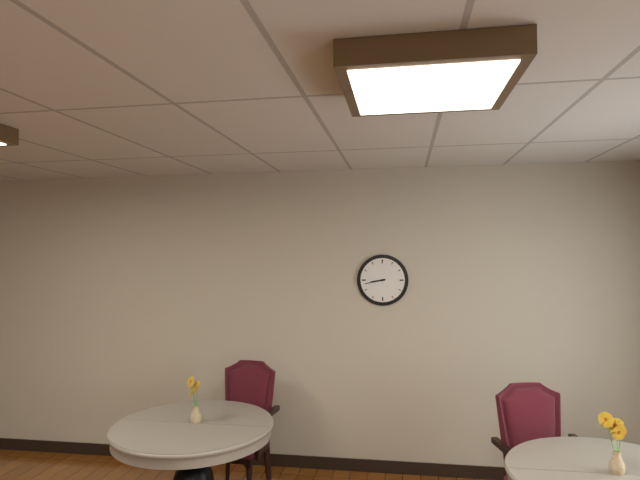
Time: {"hour": 8, "minute": 43}
